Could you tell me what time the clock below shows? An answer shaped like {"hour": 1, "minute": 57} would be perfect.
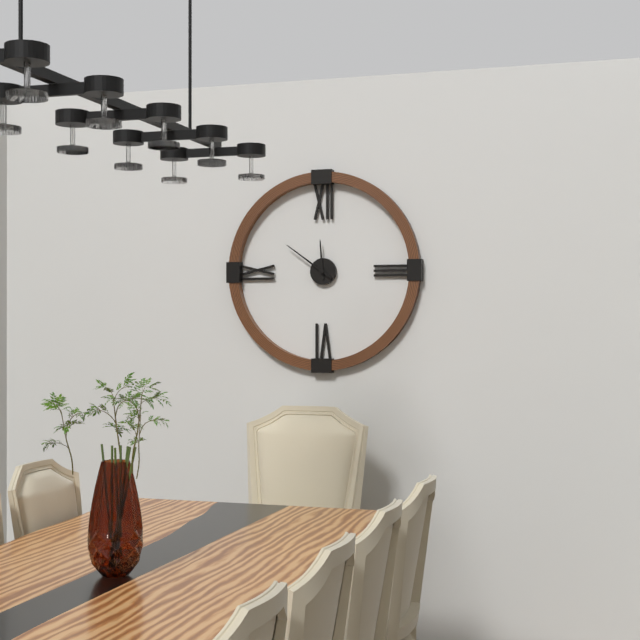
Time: {"hour": 11, "minute": 51}
